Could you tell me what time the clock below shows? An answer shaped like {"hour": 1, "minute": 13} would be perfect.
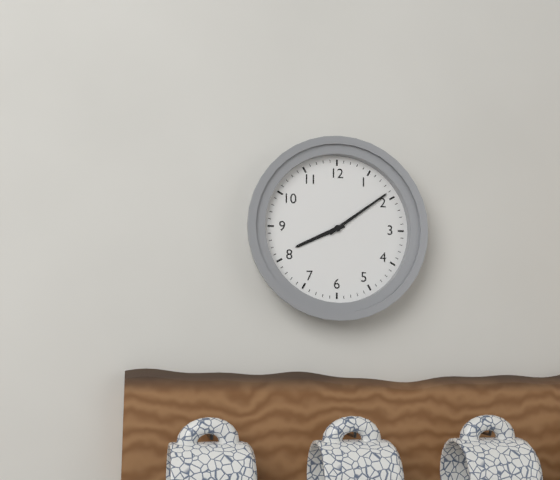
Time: {"hour": 8, "minute": 9}
